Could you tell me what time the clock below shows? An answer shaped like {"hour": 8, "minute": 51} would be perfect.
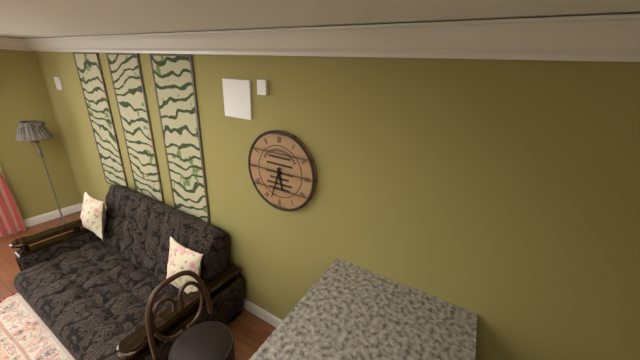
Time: {"hour": 5, "minute": 33}
